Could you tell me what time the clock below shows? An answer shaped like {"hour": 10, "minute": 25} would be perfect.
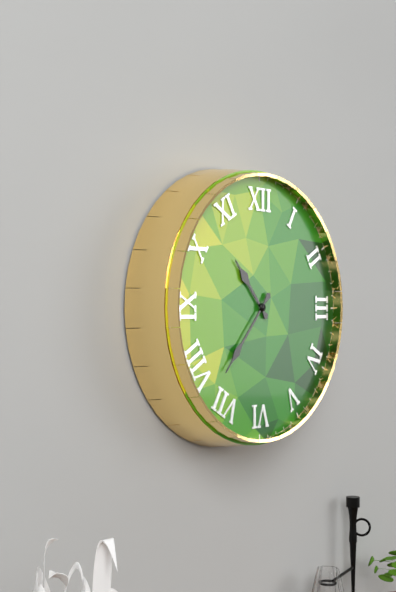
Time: {"hour": 10, "minute": 37}
